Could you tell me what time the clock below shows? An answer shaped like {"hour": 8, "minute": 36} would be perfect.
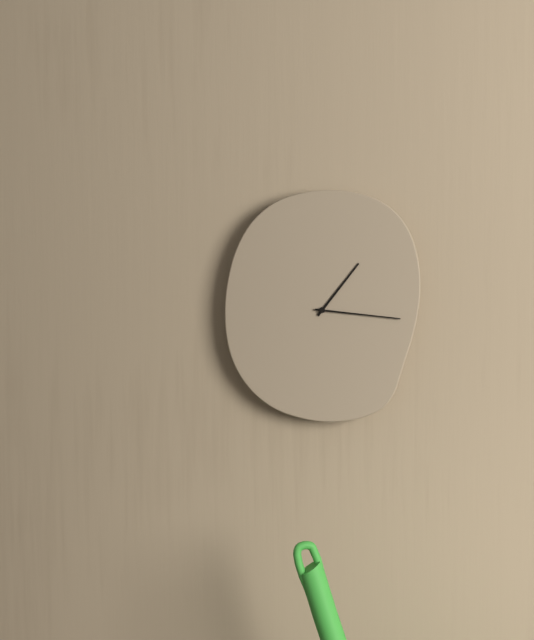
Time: {"hour": 1, "minute": 16}
